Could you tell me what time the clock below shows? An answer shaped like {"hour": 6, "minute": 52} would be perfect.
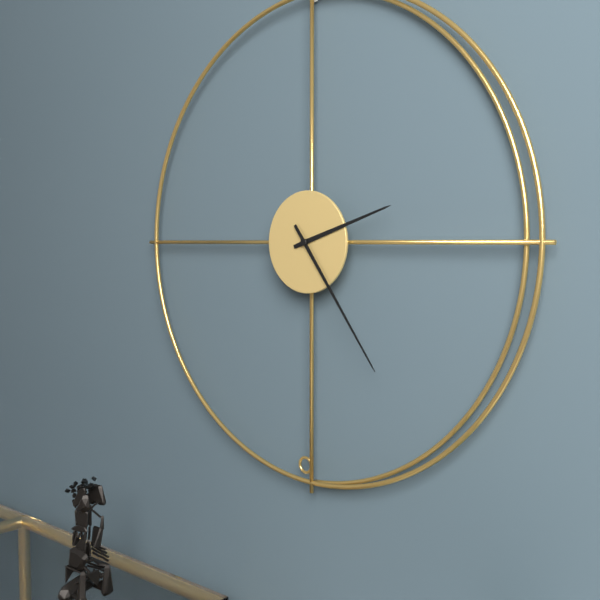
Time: {"hour": 2, "minute": 24}
